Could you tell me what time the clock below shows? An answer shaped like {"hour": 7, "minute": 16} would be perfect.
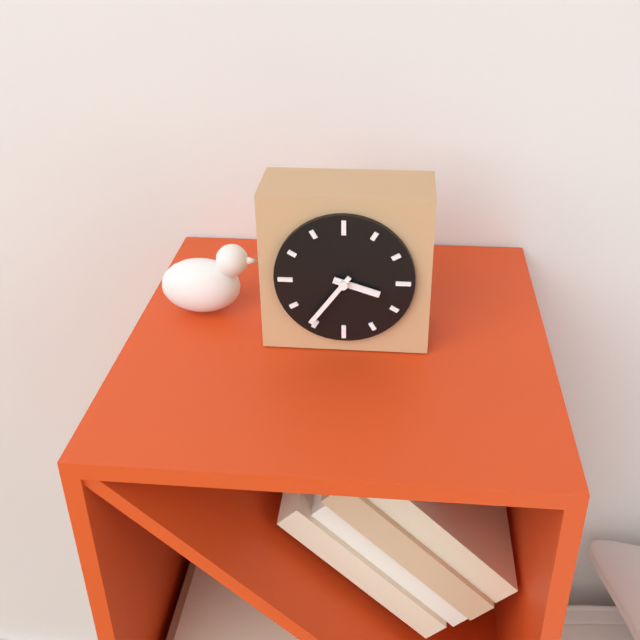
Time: {"hour": 3, "minute": 36}
